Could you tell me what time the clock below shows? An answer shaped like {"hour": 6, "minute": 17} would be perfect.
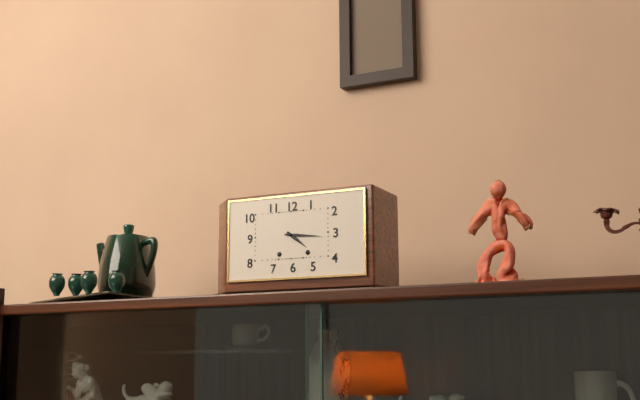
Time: {"hour": 4, "minute": 16}
